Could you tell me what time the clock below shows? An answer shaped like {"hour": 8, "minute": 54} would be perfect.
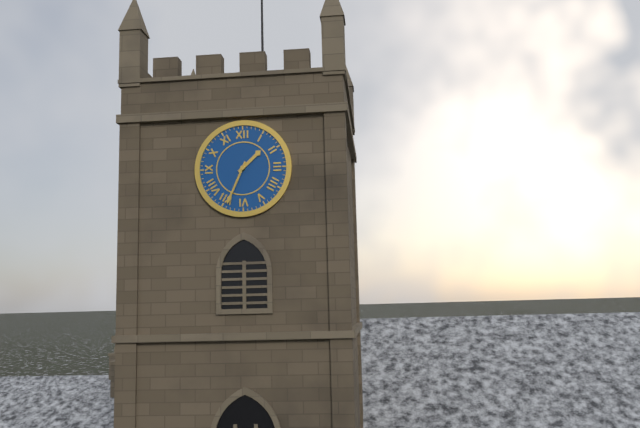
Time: {"hour": 1, "minute": 34}
